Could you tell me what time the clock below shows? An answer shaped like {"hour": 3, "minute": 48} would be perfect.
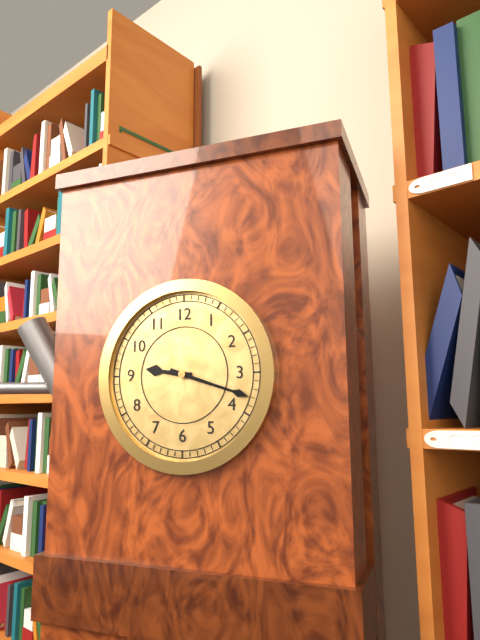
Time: {"hour": 9, "minute": 18}
